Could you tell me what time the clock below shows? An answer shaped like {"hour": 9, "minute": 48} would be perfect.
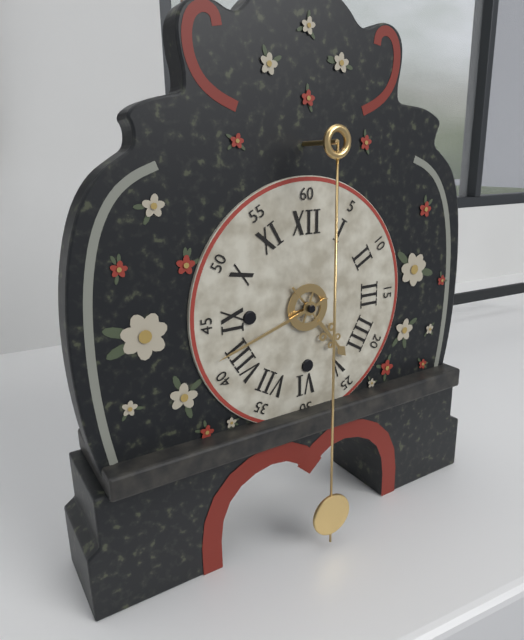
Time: {"hour": 4, "minute": 42}
